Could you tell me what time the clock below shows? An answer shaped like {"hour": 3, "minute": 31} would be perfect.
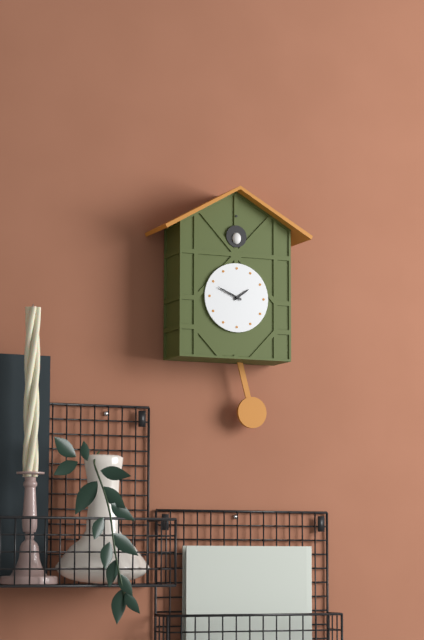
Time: {"hour": 1, "minute": 49}
